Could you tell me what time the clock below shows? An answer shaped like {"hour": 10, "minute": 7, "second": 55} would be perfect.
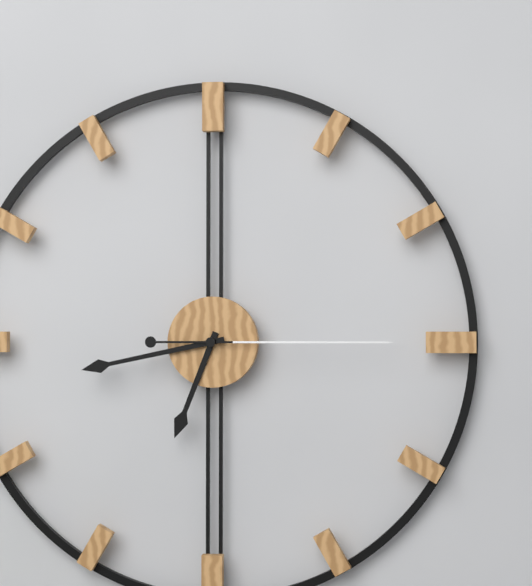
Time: {"hour": 6, "minute": 43, "second": 15}
